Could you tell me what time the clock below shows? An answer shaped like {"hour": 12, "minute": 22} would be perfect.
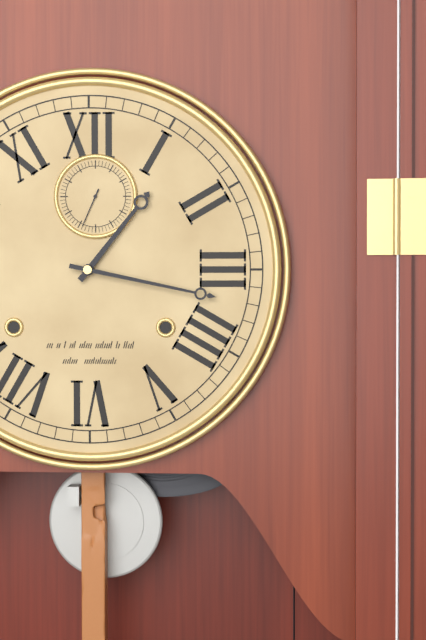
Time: {"hour": 1, "minute": 17}
